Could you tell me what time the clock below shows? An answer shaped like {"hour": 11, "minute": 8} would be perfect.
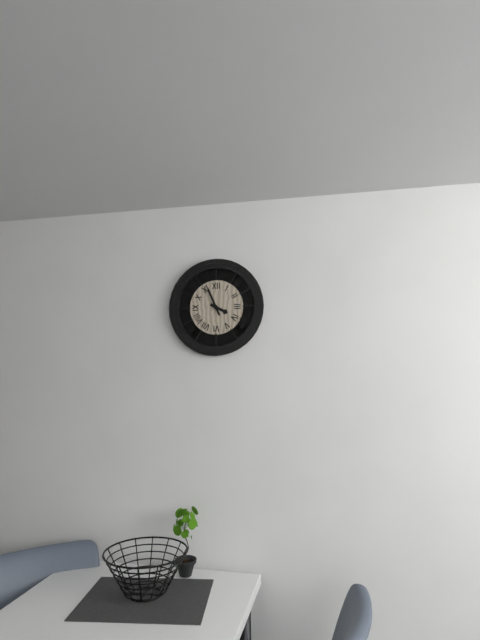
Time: {"hour": 3, "minute": 56}
